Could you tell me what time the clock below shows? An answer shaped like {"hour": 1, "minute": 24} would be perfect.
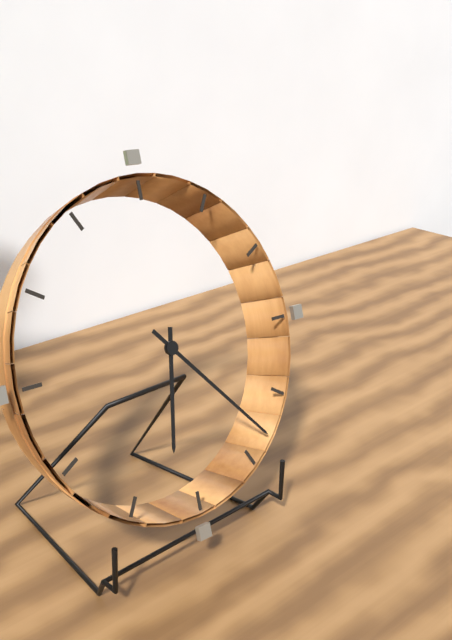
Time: {"hour": 6, "minute": 23}
